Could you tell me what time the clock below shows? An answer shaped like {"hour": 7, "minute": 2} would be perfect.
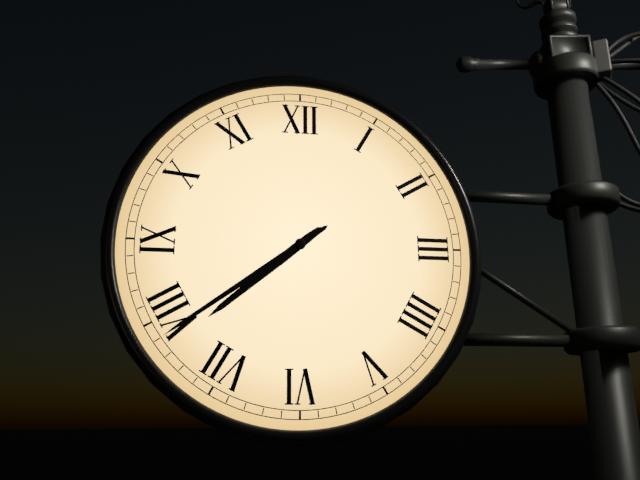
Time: {"hour": 7, "minute": 39}
